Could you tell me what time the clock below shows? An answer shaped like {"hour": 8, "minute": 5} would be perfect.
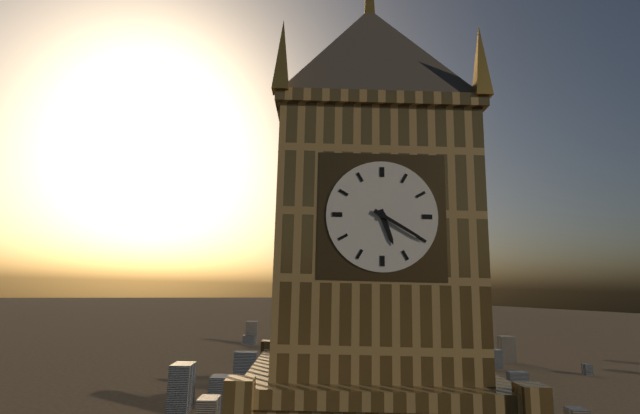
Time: {"hour": 5, "minute": 20}
